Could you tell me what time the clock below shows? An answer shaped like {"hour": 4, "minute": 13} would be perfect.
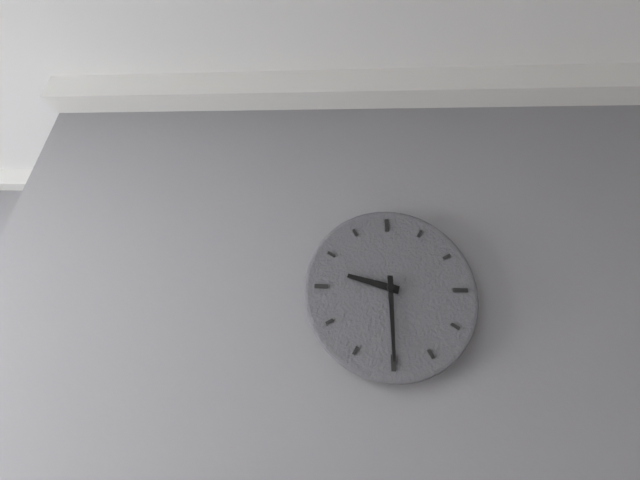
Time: {"hour": 9, "minute": 30}
